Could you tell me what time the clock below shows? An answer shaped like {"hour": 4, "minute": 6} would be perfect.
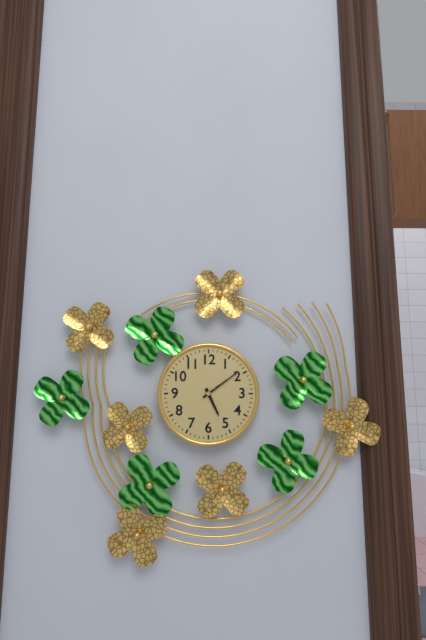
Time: {"hour": 5, "minute": 9}
